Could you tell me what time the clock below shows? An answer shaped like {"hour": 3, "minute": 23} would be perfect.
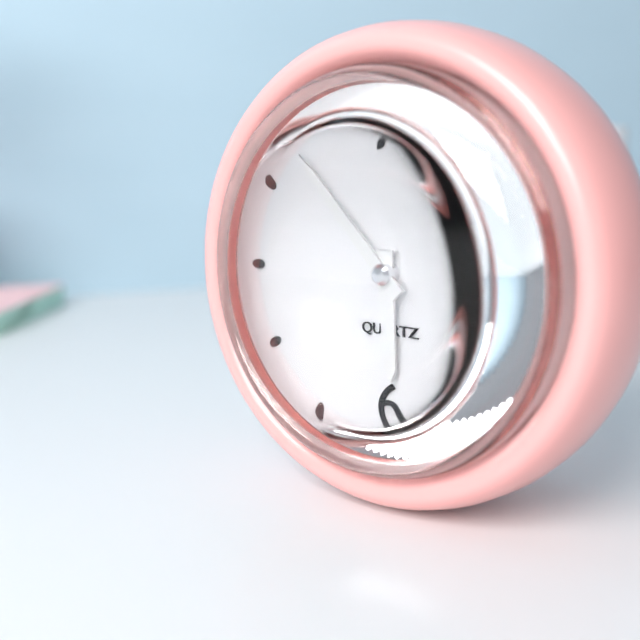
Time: {"hour": 5, "minute": 53}
